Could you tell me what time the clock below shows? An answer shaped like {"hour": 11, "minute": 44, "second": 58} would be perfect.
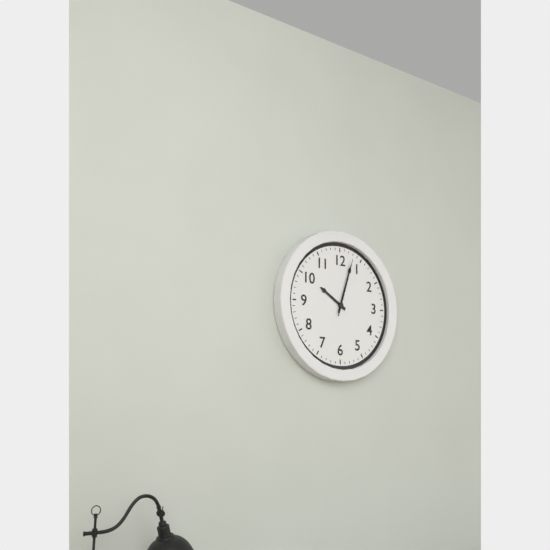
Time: {"hour": 10, "minute": 3, "second": 3}
